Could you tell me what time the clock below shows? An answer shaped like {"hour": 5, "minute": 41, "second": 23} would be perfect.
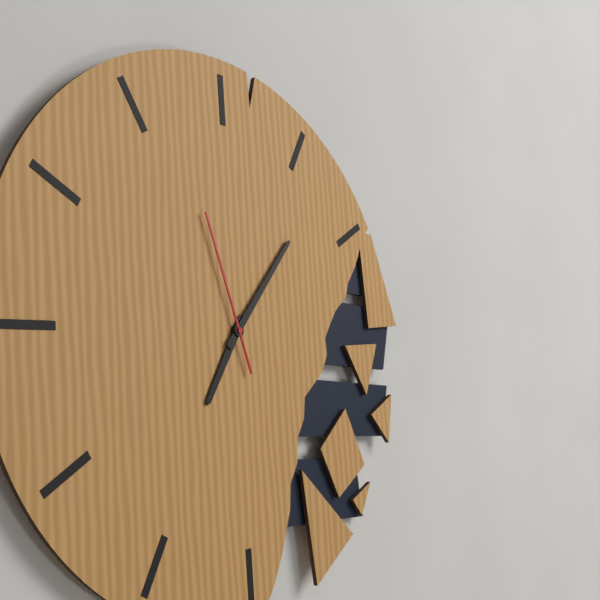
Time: {"hour": 7, "minute": 7, "second": 57}
